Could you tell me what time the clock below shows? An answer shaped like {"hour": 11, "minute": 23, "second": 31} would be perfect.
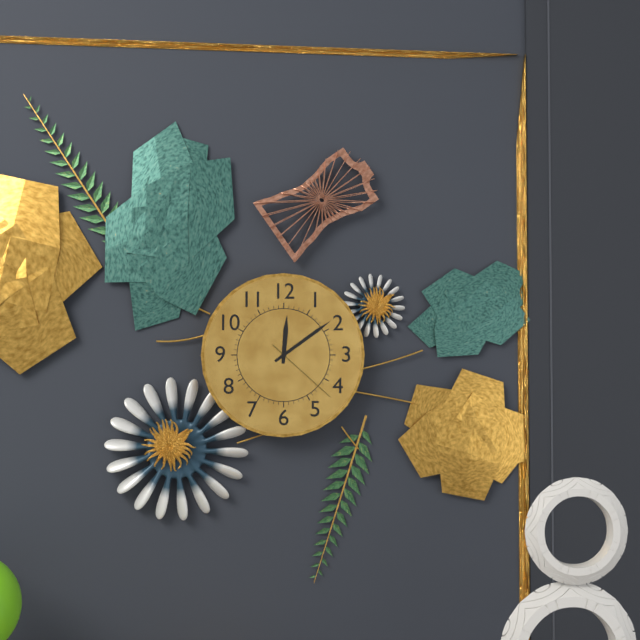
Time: {"hour": 12, "minute": 9, "second": 22}
